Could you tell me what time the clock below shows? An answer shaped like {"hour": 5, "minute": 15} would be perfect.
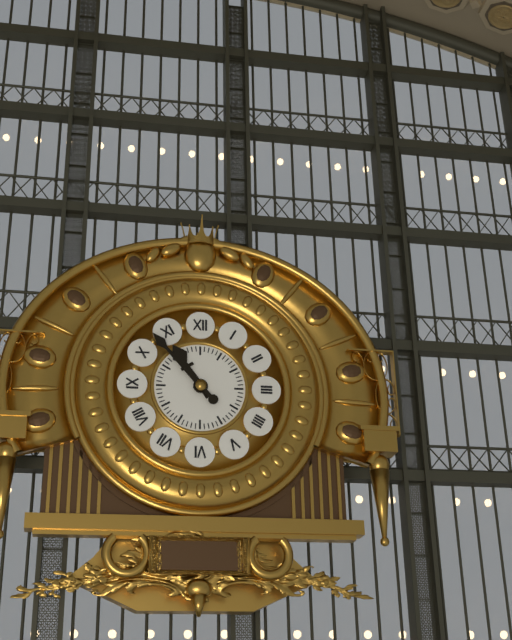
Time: {"hour": 10, "minute": 53}
